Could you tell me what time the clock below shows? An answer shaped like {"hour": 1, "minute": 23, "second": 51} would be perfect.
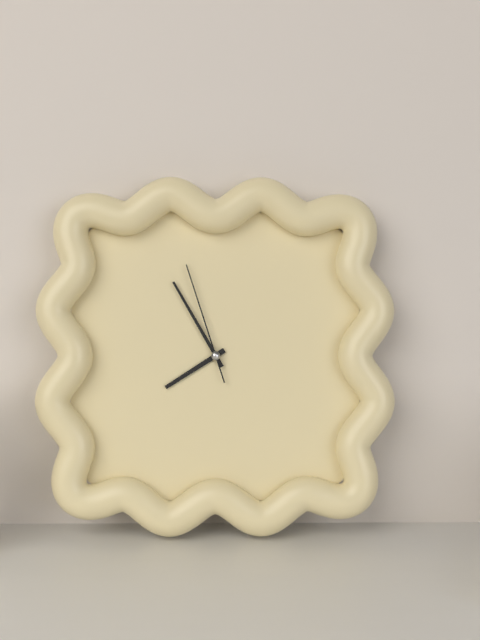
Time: {"hour": 7, "minute": 55, "second": 57}
